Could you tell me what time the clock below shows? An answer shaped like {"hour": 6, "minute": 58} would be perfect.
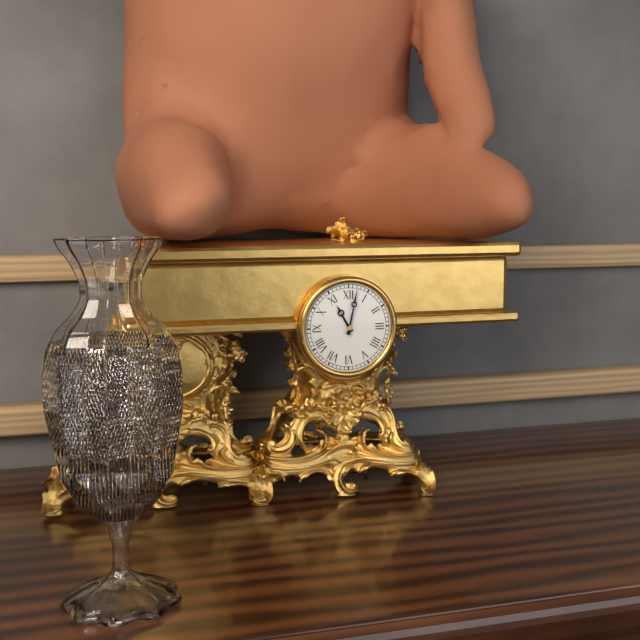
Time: {"hour": 11, "minute": 2}
